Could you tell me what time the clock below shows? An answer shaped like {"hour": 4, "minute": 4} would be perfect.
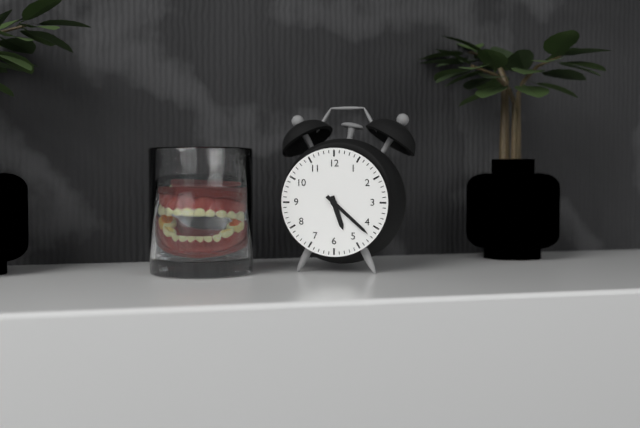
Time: {"hour": 5, "minute": 22}
